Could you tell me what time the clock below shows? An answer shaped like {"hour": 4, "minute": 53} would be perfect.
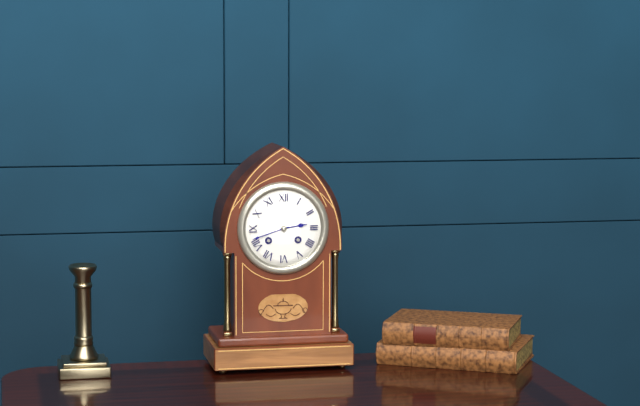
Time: {"hour": 2, "minute": 42}
